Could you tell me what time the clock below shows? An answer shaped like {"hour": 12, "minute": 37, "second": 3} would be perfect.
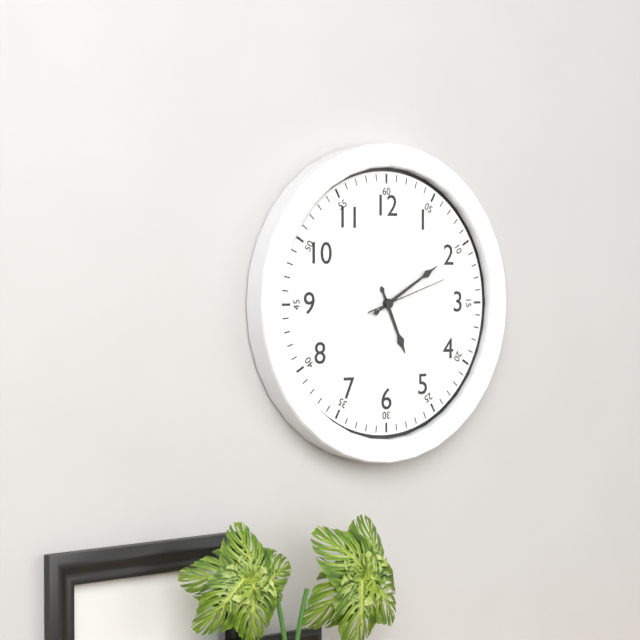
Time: {"hour": 5, "minute": 10, "second": 12}
